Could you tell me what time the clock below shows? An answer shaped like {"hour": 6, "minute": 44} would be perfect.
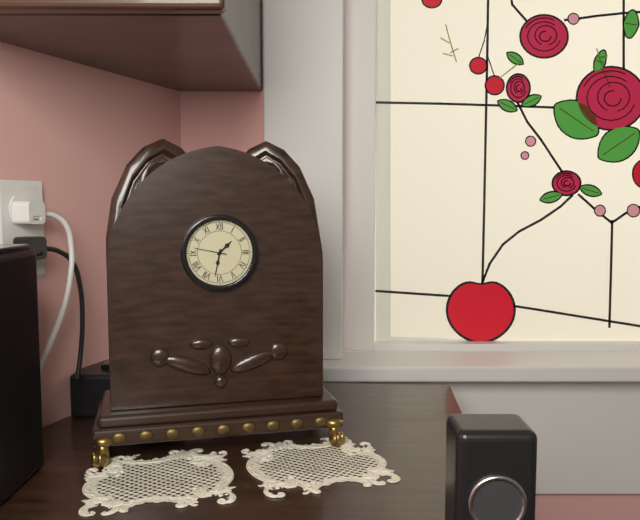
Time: {"hour": 1, "minute": 32}
